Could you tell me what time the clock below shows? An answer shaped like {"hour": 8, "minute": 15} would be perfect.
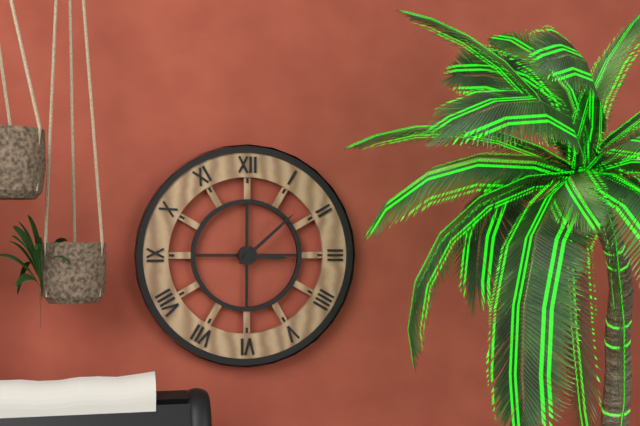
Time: {"hour": 3, "minute": 8}
